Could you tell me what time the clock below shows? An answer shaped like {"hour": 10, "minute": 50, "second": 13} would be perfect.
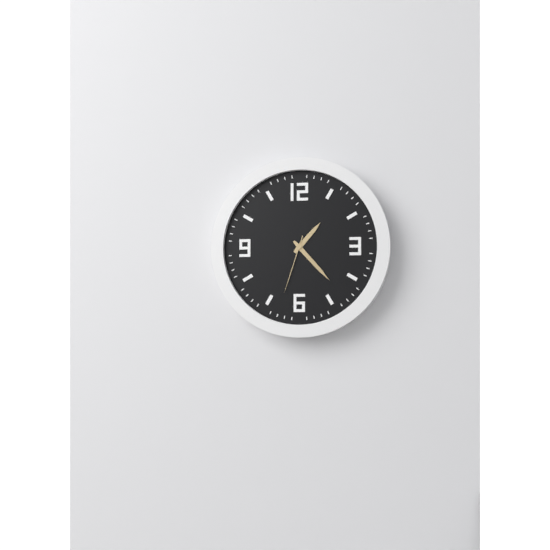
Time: {"hour": 1, "minute": 23, "second": 33}
